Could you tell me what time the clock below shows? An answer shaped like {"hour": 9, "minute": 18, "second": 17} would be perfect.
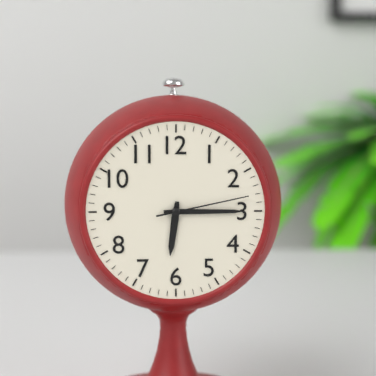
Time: {"hour": 6, "minute": 15, "second": 13}
